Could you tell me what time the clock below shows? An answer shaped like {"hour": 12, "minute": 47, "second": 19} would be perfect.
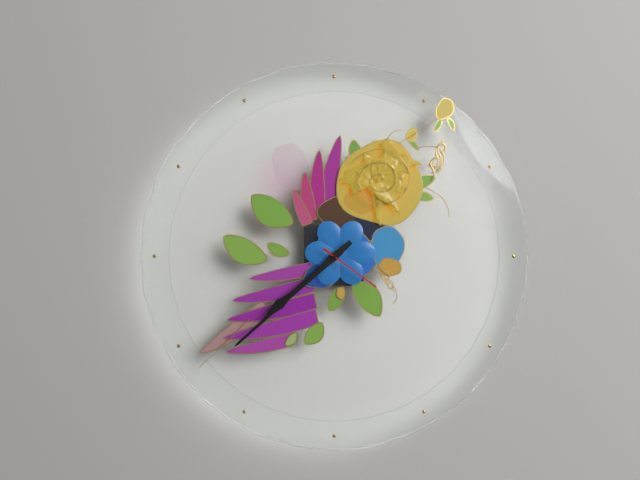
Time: {"hour": 7, "minute": 38, "second": 21}
